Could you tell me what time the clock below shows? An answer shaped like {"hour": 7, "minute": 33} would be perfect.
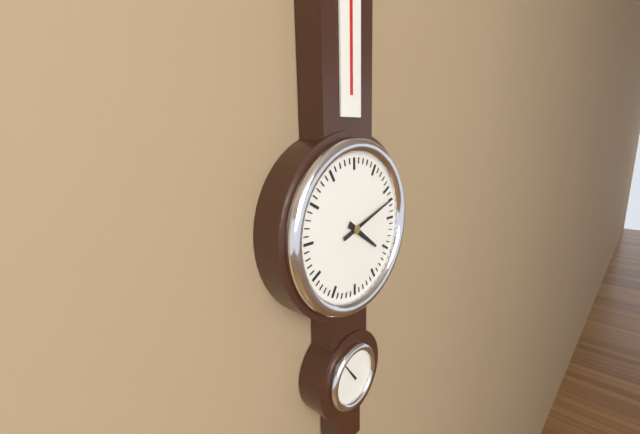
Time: {"hour": 4, "minute": 12}
